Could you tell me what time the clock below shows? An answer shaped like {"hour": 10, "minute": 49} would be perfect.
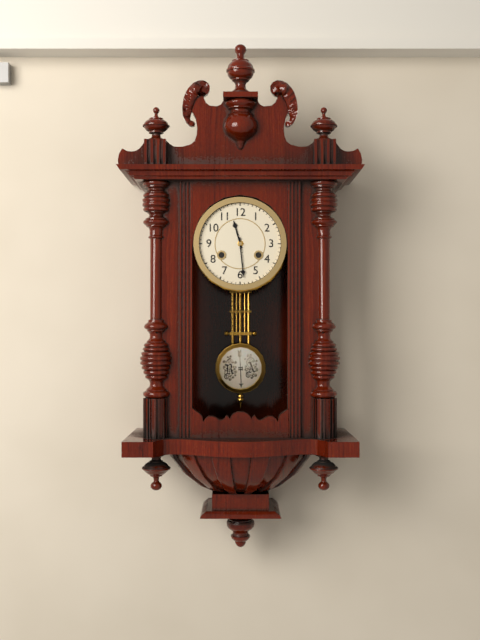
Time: {"hour": 11, "minute": 29}
